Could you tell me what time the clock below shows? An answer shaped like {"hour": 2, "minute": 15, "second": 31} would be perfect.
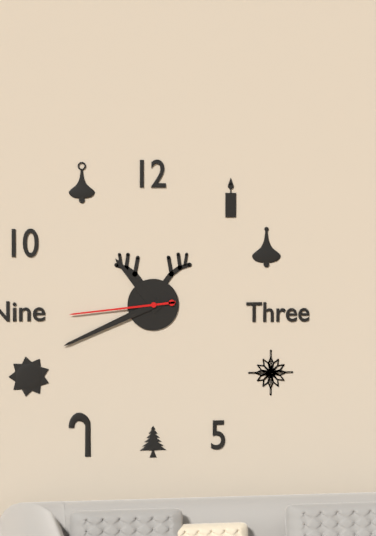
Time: {"hour": 10, "minute": 41, "second": 44}
